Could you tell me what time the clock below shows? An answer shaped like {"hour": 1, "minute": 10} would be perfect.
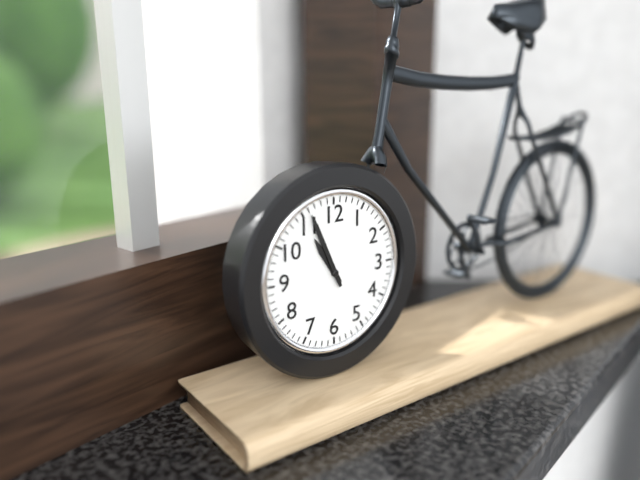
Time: {"hour": 10, "minute": 56}
